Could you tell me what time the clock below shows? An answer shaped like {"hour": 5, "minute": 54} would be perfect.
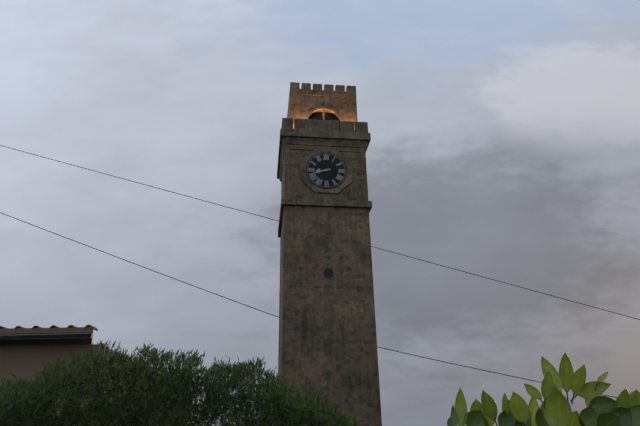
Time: {"hour": 8, "minute": 42}
